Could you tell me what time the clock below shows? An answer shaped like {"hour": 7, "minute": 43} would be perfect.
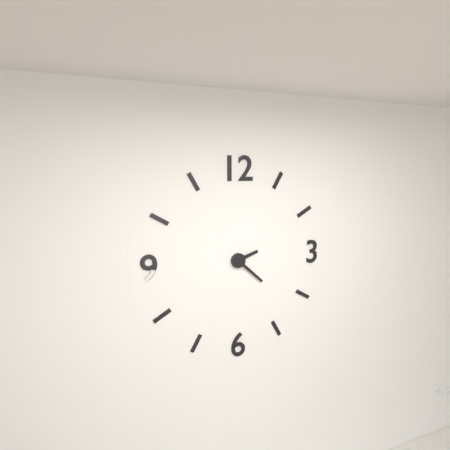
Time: {"hour": 2, "minute": 22}
